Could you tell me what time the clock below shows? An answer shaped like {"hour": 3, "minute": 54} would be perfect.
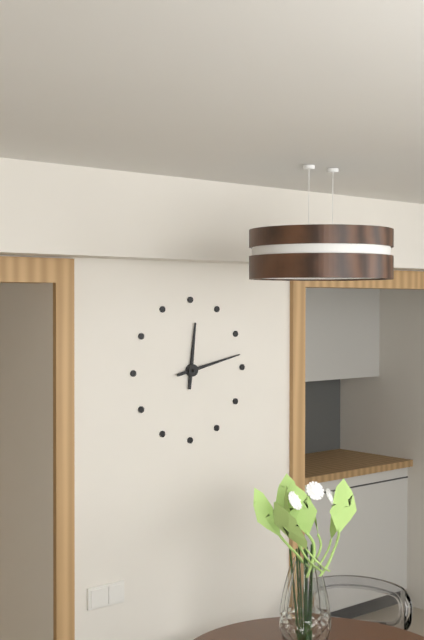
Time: {"hour": 12, "minute": 13}
